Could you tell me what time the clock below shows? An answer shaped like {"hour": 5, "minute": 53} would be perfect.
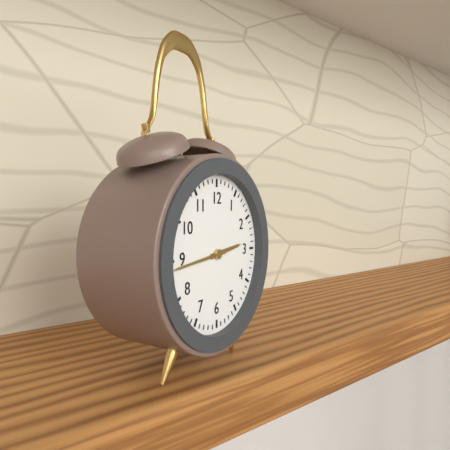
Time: {"hour": 2, "minute": 44}
